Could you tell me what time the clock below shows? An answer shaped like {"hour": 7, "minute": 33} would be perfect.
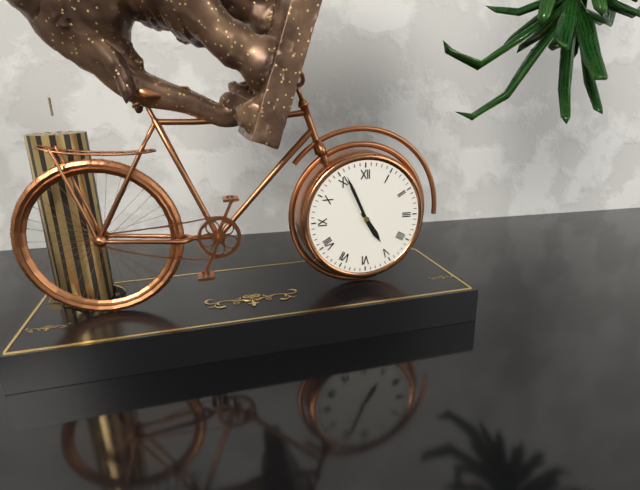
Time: {"hour": 4, "minute": 56}
